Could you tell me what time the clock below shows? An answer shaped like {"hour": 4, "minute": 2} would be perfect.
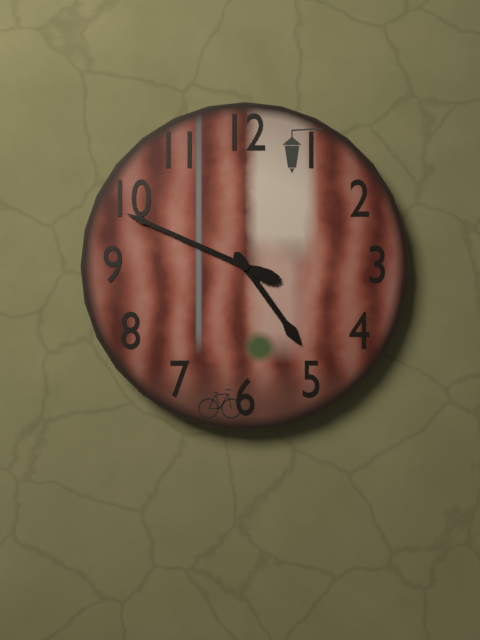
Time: {"hour": 4, "minute": 49}
